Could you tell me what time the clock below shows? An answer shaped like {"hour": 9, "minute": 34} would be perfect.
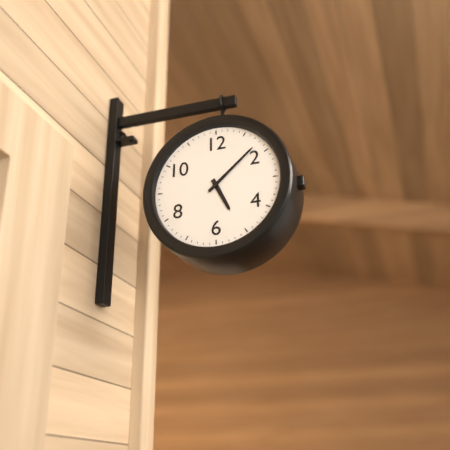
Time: {"hour": 5, "minute": 8}
